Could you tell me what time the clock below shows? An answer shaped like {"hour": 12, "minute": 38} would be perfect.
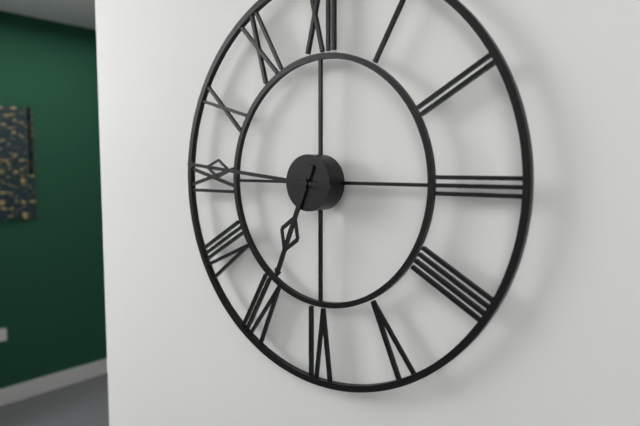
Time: {"hour": 6, "minute": 46}
